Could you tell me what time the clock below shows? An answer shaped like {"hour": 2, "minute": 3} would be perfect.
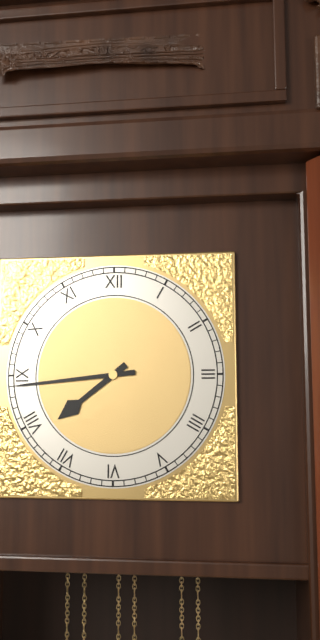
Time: {"hour": 7, "minute": 44}
